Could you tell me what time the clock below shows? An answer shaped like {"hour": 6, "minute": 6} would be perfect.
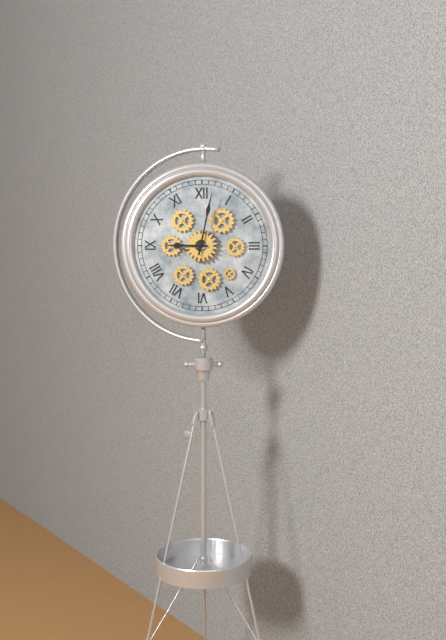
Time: {"hour": 9, "minute": 2}
